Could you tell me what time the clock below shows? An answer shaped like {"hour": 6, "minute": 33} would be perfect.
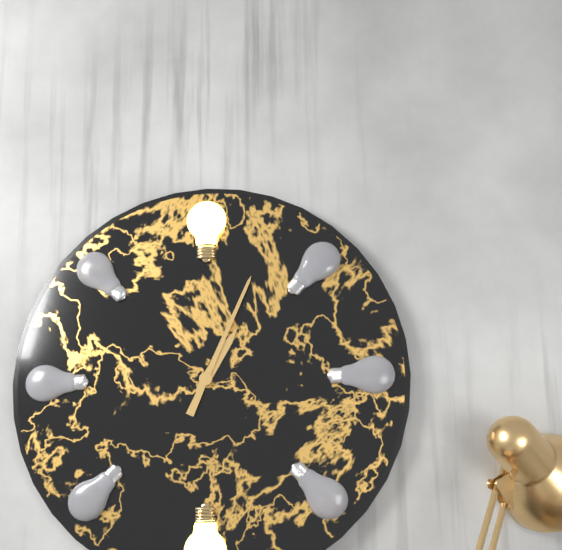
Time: {"hour": 1, "minute": 4}
